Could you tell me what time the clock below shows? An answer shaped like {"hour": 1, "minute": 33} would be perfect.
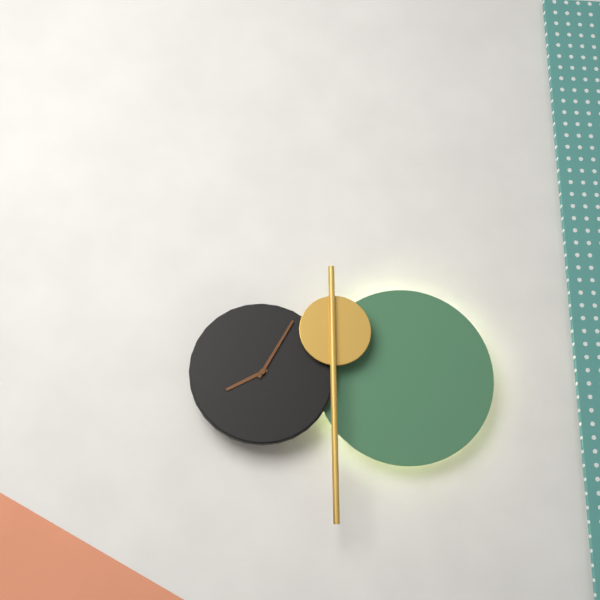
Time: {"hour": 8, "minute": 5}
